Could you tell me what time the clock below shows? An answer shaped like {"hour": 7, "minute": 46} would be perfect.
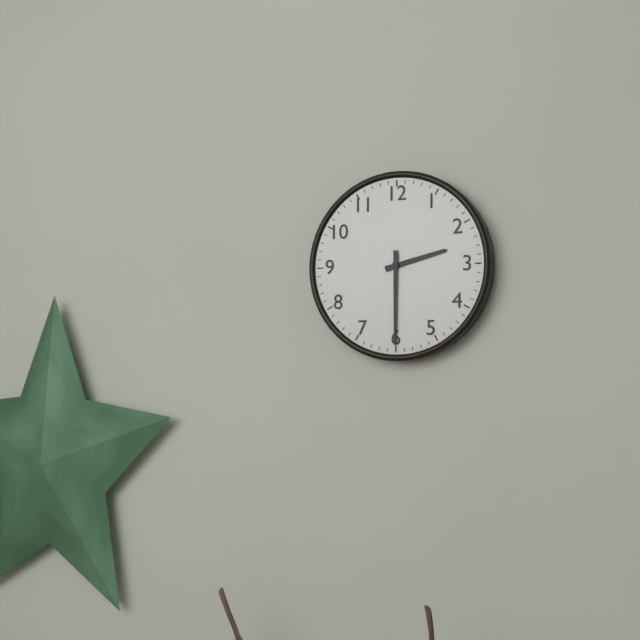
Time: {"hour": 2, "minute": 30}
